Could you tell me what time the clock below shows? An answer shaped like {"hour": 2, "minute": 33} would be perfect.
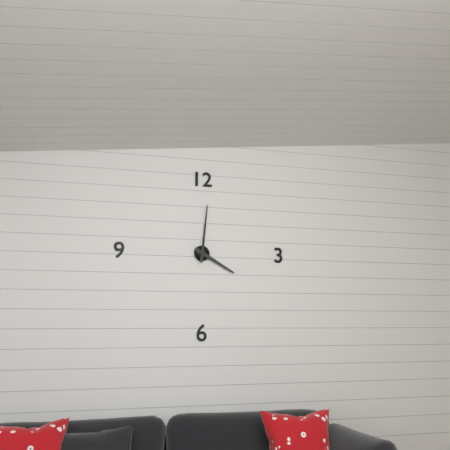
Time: {"hour": 4, "minute": 1}
